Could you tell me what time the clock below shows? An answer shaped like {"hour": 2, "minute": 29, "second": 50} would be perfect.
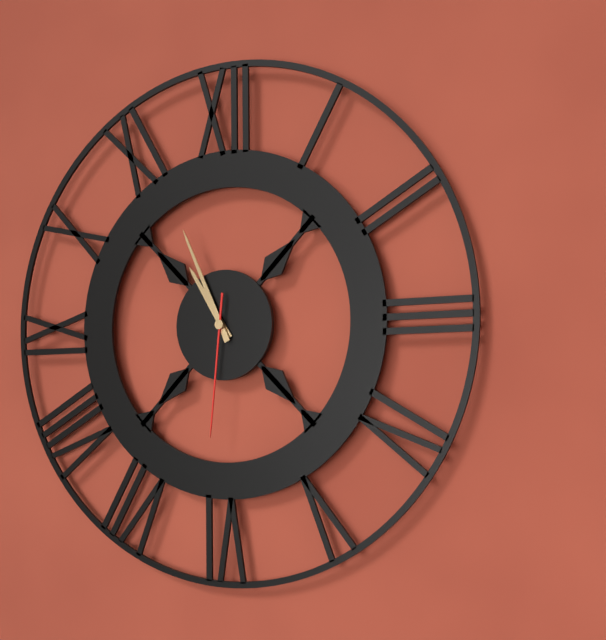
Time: {"hour": 10, "minute": 56, "second": 31}
